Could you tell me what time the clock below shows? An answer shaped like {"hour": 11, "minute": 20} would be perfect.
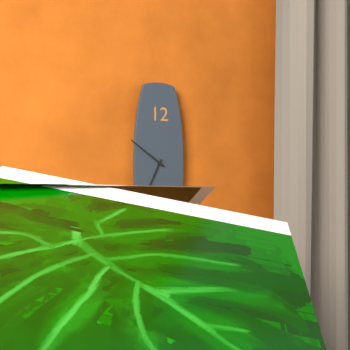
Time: {"hour": 6, "minute": 51}
